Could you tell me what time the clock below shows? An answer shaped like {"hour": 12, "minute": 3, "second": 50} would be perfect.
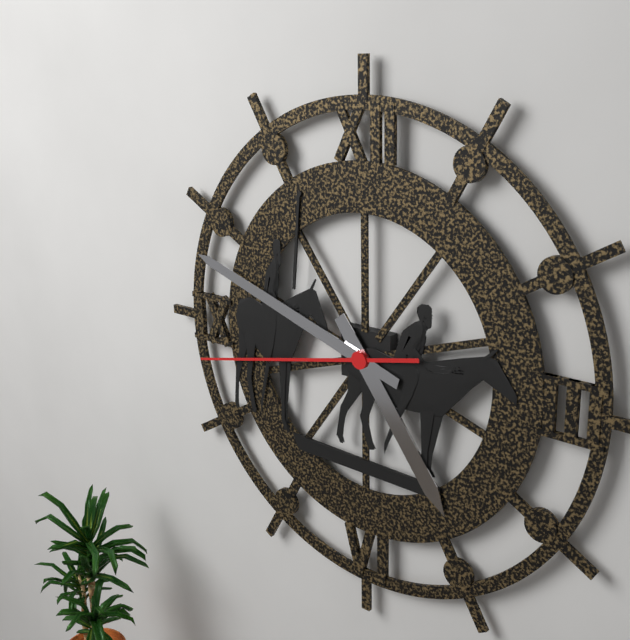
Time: {"hour": 4, "minute": 48, "second": 43}
